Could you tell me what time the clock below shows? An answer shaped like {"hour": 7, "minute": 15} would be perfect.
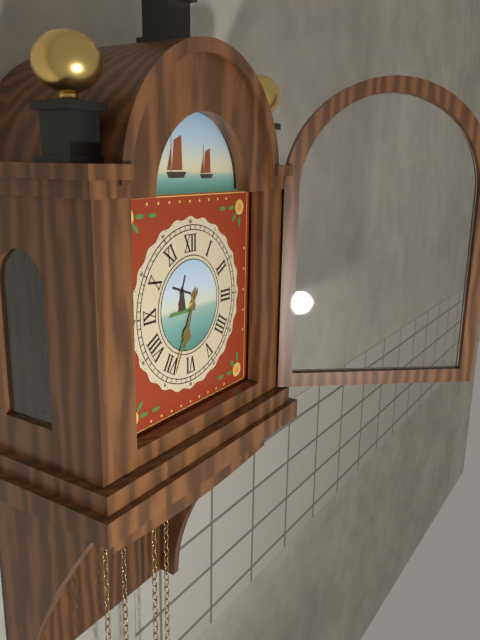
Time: {"hour": 6, "minute": 34}
